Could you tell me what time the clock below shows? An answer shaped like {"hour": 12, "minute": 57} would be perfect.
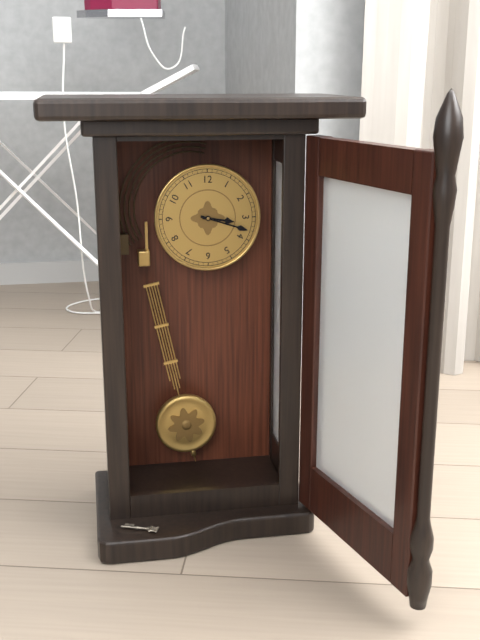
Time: {"hour": 3, "minute": 18}
